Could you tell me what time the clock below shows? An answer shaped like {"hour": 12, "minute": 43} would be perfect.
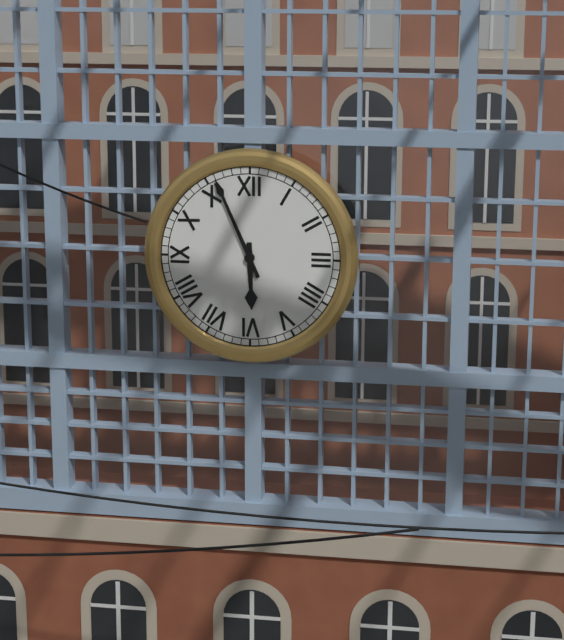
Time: {"hour": 5, "minute": 56}
